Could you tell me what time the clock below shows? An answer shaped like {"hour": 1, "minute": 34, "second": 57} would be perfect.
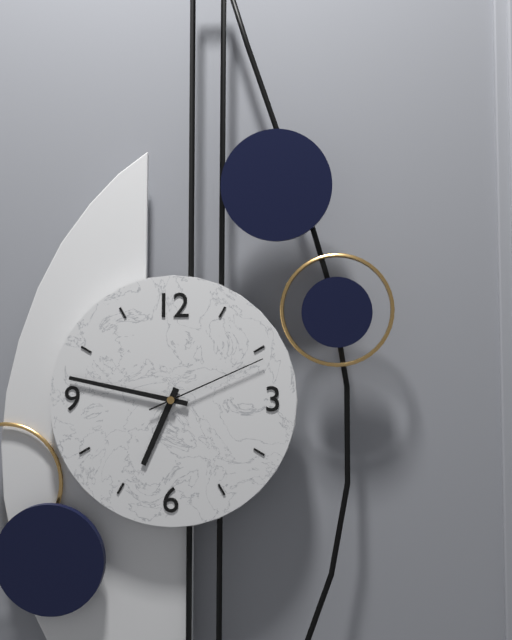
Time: {"hour": 6, "minute": 47, "second": 11}
